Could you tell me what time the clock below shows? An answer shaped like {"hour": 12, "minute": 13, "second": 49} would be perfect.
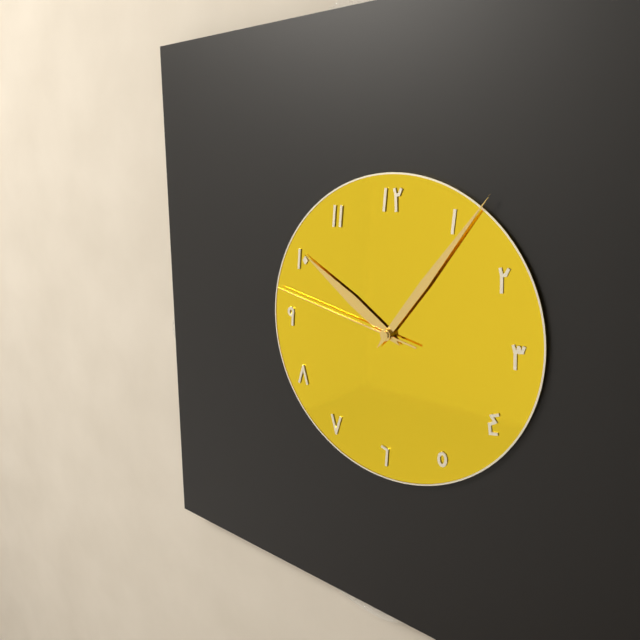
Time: {"hour": 10, "minute": 6, "second": 47}
